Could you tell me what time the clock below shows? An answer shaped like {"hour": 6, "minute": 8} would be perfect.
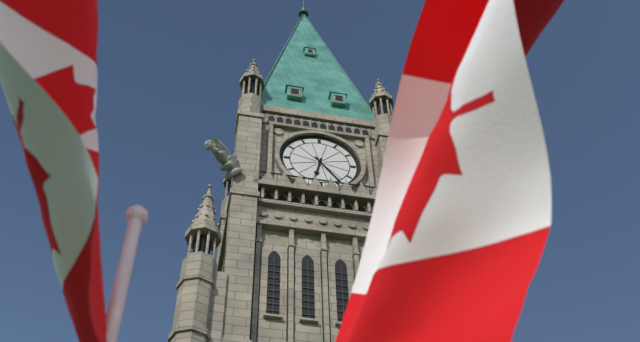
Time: {"hour": 6, "minute": 24}
